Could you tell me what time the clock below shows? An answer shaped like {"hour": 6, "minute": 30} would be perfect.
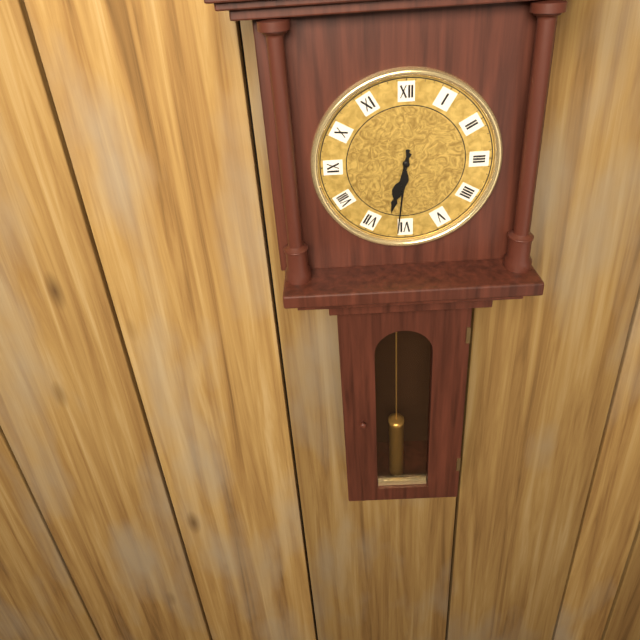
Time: {"hour": 6, "minute": 31}
